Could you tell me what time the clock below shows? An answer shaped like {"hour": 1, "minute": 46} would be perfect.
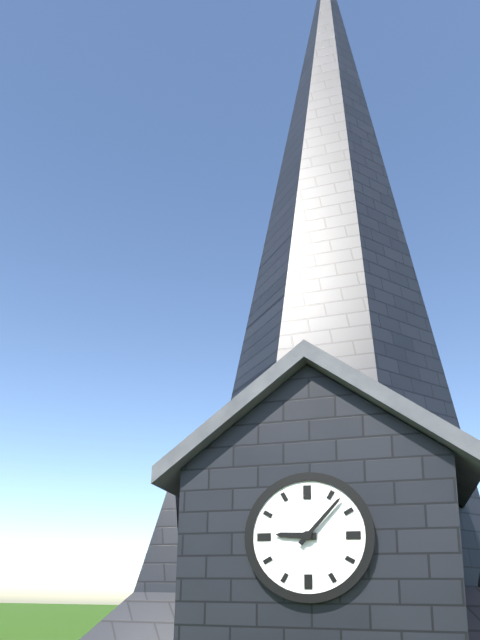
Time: {"hour": 9, "minute": 7}
